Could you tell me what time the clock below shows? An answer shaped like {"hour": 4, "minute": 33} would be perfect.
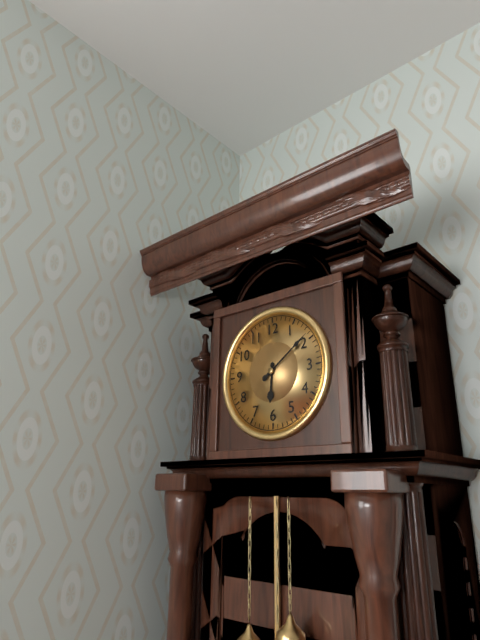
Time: {"hour": 6, "minute": 9}
